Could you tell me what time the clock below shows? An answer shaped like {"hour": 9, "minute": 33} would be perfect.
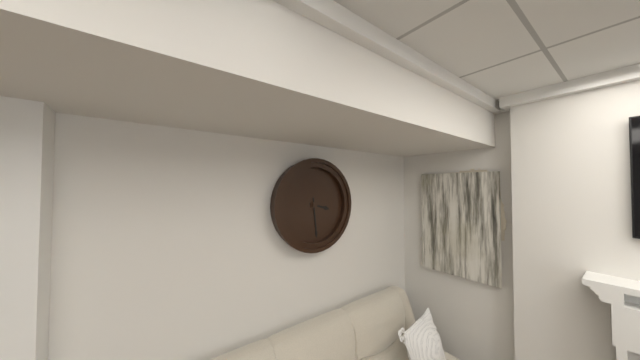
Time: {"hour": 3, "minute": 29}
